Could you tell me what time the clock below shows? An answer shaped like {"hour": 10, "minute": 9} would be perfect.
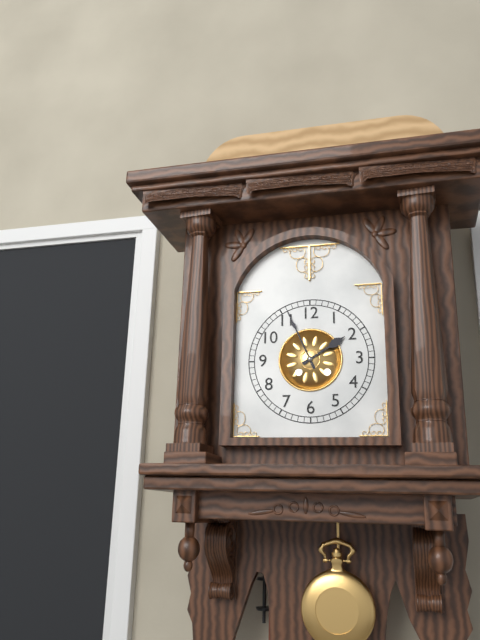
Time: {"hour": 1, "minute": 56}
